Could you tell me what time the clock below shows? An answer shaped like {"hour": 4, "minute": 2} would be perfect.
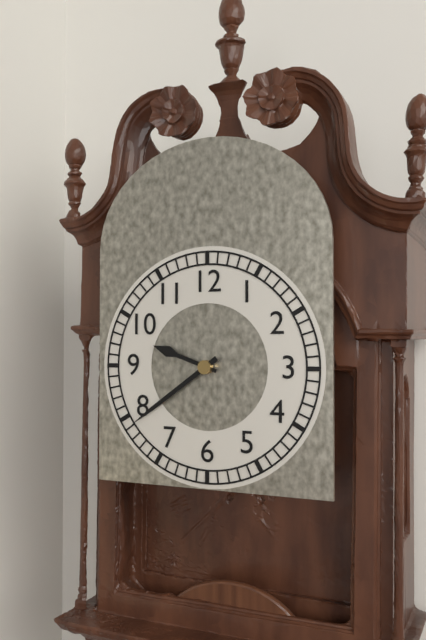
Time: {"hour": 9, "minute": 39}
